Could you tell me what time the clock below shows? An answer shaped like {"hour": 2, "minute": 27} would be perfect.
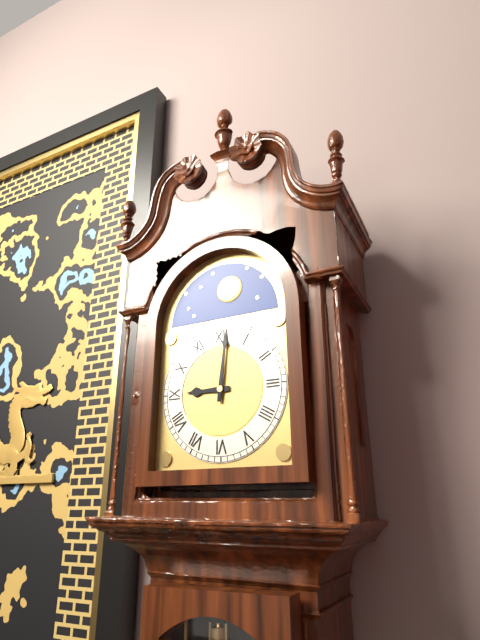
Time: {"hour": 9, "minute": 1}
